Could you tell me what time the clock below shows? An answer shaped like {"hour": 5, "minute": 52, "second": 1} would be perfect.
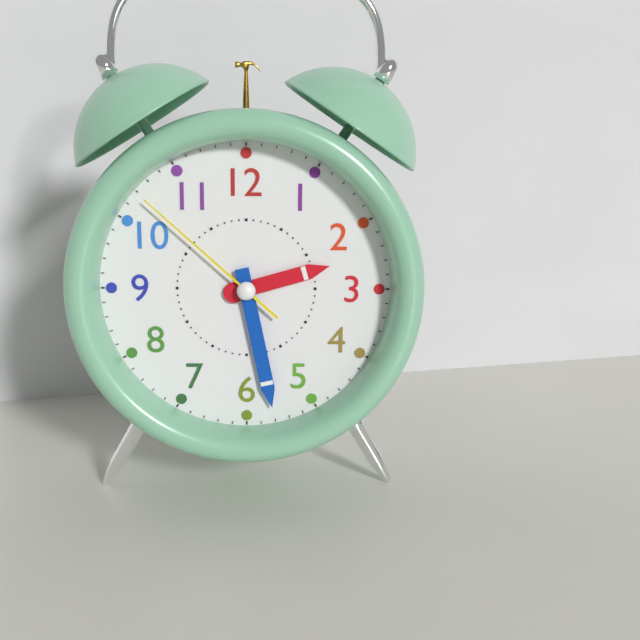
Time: {"hour": 2, "minute": 28, "second": 52}
